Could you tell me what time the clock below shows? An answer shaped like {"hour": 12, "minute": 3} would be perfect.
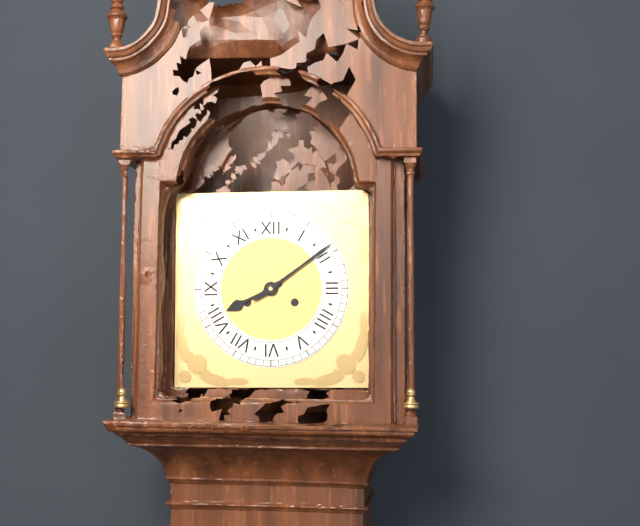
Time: {"hour": 8, "minute": 9}
